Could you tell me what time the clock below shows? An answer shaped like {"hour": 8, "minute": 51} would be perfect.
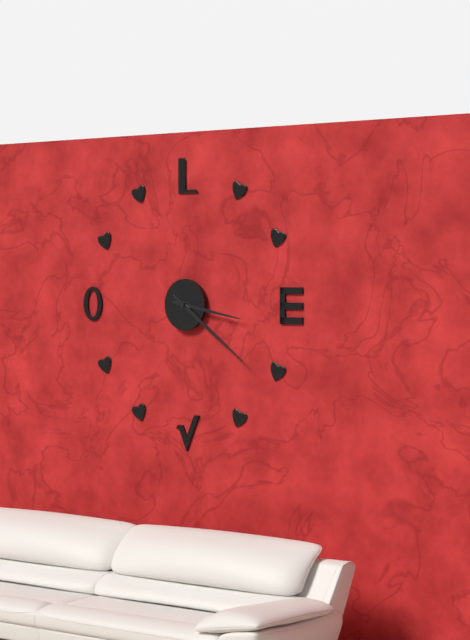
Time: {"hour": 3, "minute": 21}
